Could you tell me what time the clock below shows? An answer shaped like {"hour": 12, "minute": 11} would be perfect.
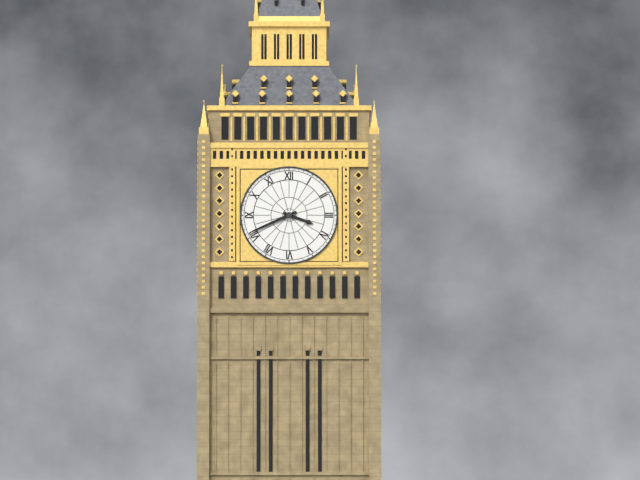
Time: {"hour": 3, "minute": 41}
